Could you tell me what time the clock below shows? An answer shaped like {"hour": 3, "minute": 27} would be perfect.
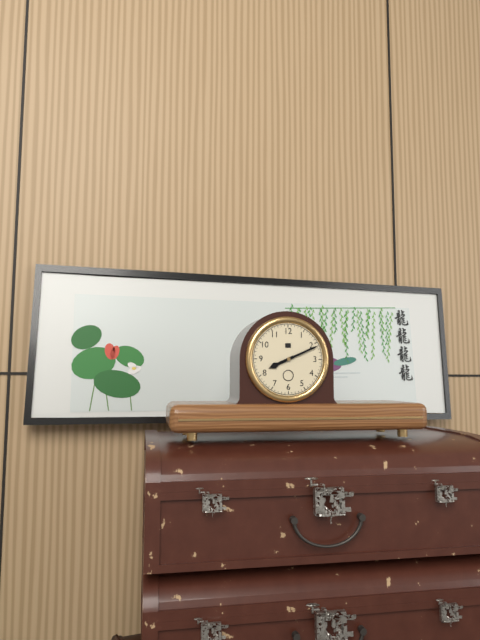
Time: {"hour": 8, "minute": 11}
